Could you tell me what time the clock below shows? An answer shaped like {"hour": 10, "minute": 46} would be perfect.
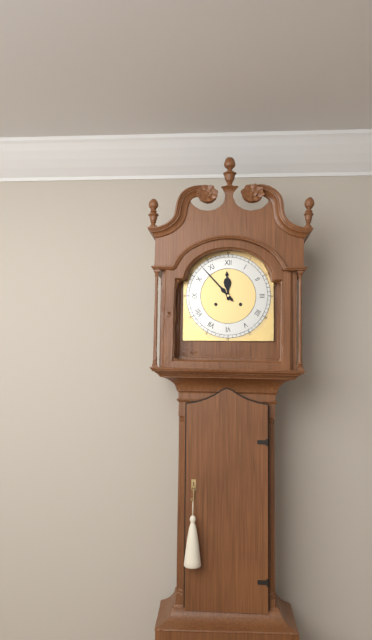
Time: {"hour": 11, "minute": 53}
